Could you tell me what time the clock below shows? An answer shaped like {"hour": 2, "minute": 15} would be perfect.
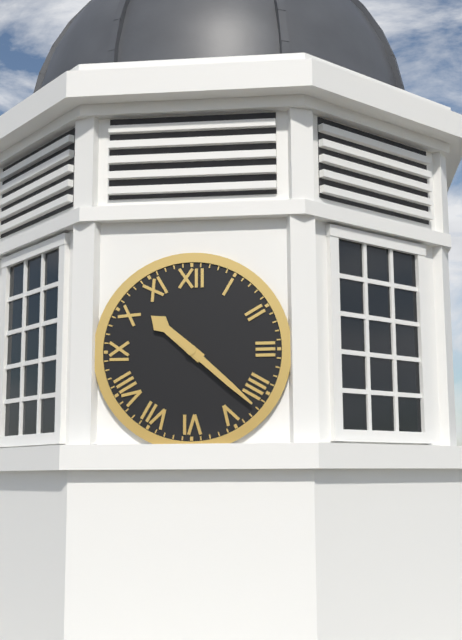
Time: {"hour": 10, "minute": 22}
